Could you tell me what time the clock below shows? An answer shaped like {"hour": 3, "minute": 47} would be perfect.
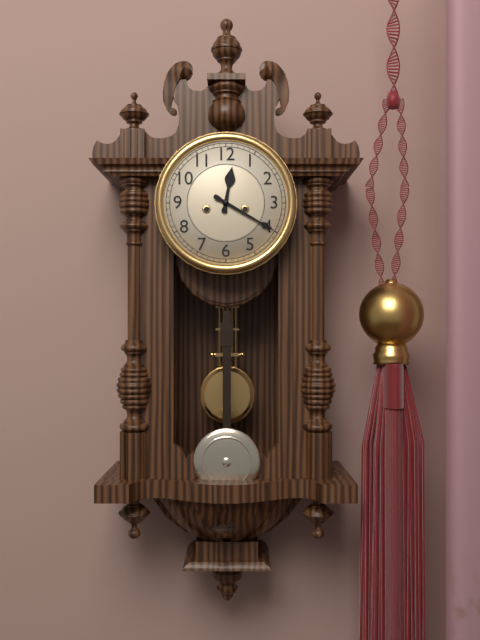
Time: {"hour": 12, "minute": 20}
